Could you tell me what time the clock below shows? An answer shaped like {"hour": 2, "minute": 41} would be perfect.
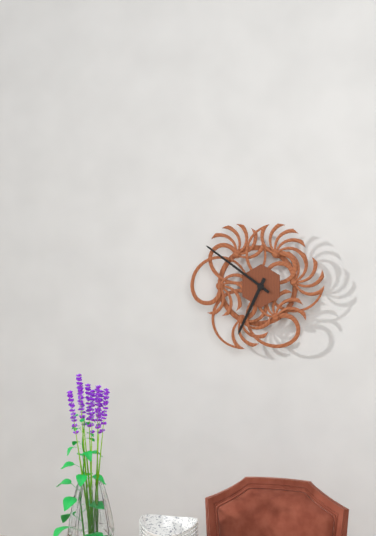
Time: {"hour": 6, "minute": 51}
